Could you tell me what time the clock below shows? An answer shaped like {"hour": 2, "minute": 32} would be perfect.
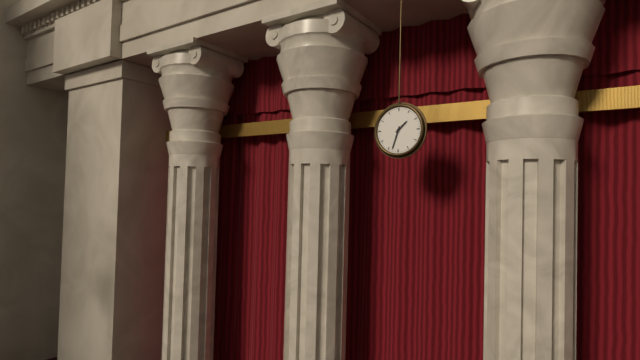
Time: {"hour": 1, "minute": 33}
